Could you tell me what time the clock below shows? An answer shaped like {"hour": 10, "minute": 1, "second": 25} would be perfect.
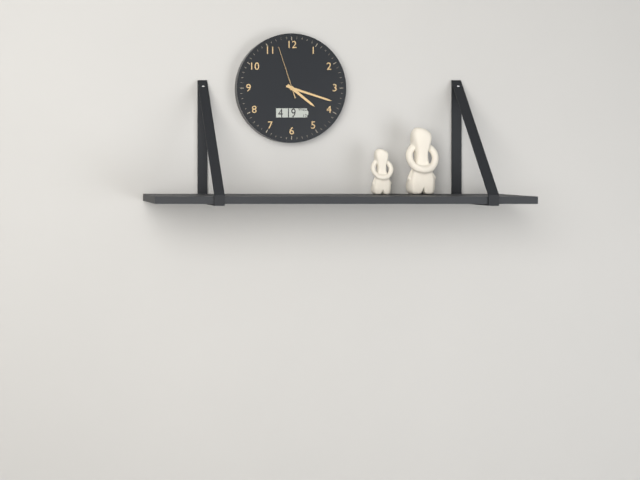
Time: {"hour": 4, "minute": 18, "second": 57}
